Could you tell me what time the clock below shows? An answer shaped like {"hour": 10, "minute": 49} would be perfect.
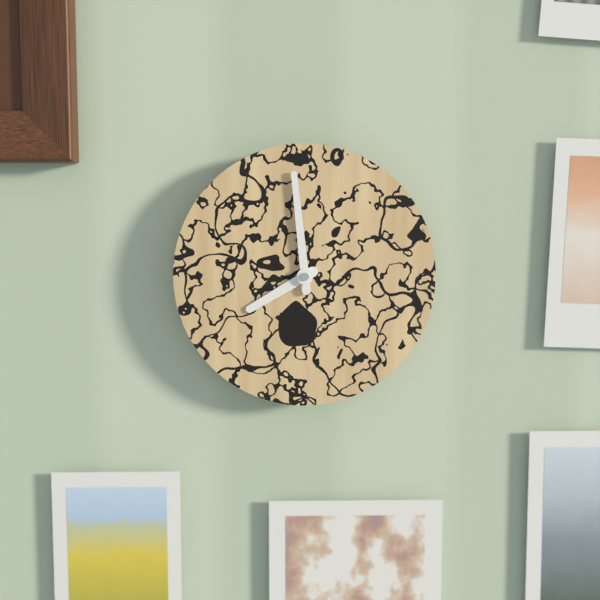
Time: {"hour": 7, "minute": 59}
